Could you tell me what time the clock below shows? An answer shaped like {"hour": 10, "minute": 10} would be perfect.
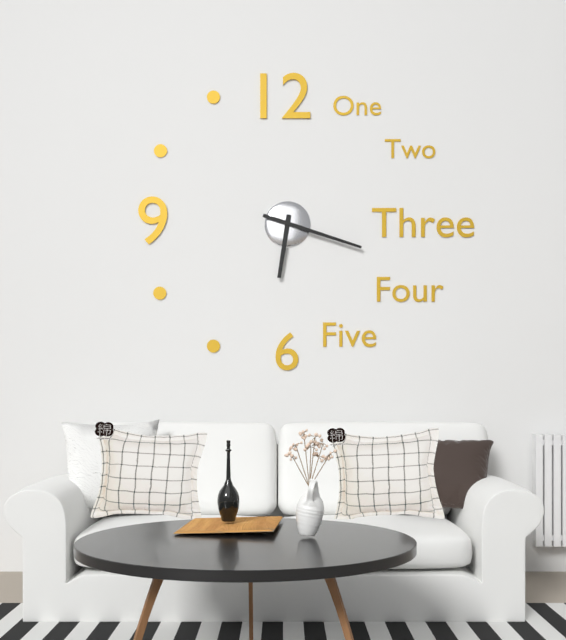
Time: {"hour": 6, "minute": 18}
